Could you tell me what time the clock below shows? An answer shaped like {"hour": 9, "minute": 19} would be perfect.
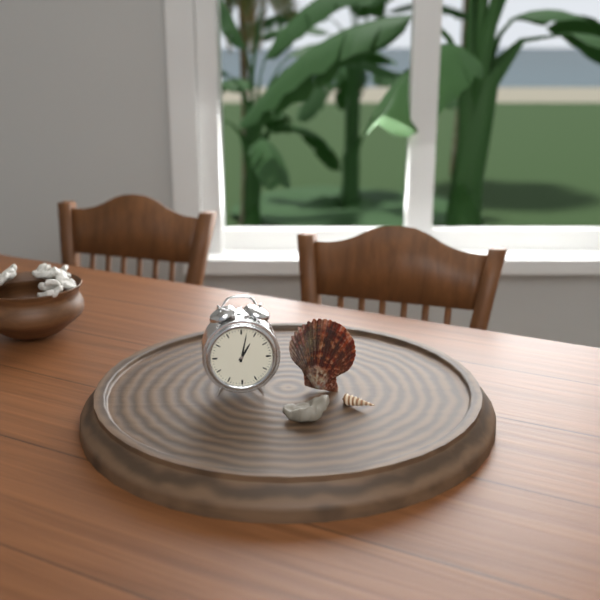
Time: {"hour": 1, "minute": 2}
